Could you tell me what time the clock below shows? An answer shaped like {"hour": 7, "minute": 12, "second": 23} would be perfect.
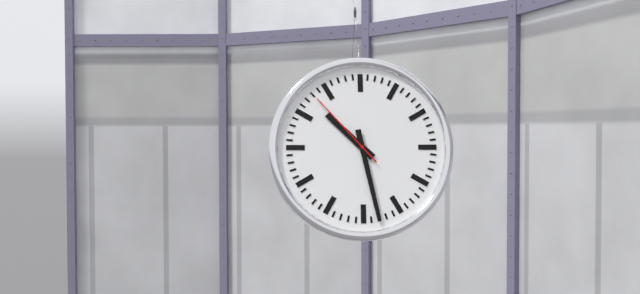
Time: {"hour": 10, "minute": 28, "second": 53}
